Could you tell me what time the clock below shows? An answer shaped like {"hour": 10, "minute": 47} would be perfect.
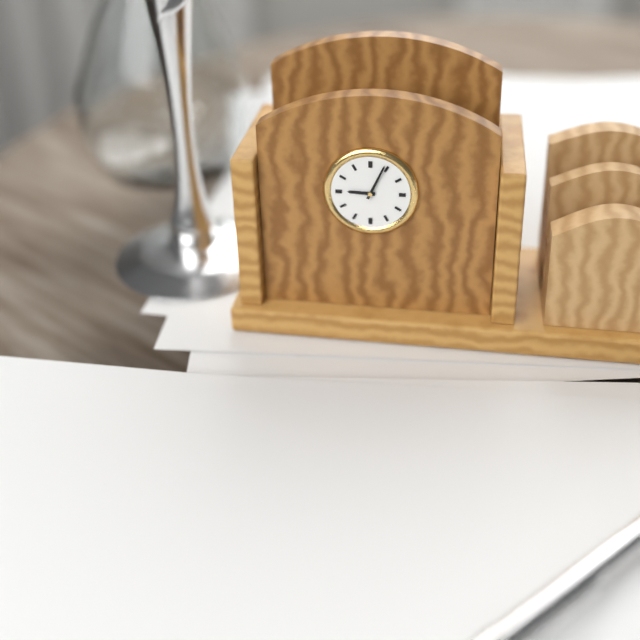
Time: {"hour": 9, "minute": 4}
